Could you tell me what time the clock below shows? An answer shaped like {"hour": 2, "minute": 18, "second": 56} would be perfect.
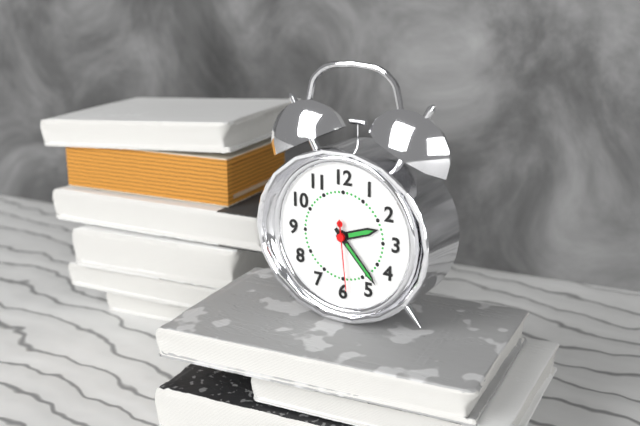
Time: {"hour": 2, "minute": 23, "second": 29}
